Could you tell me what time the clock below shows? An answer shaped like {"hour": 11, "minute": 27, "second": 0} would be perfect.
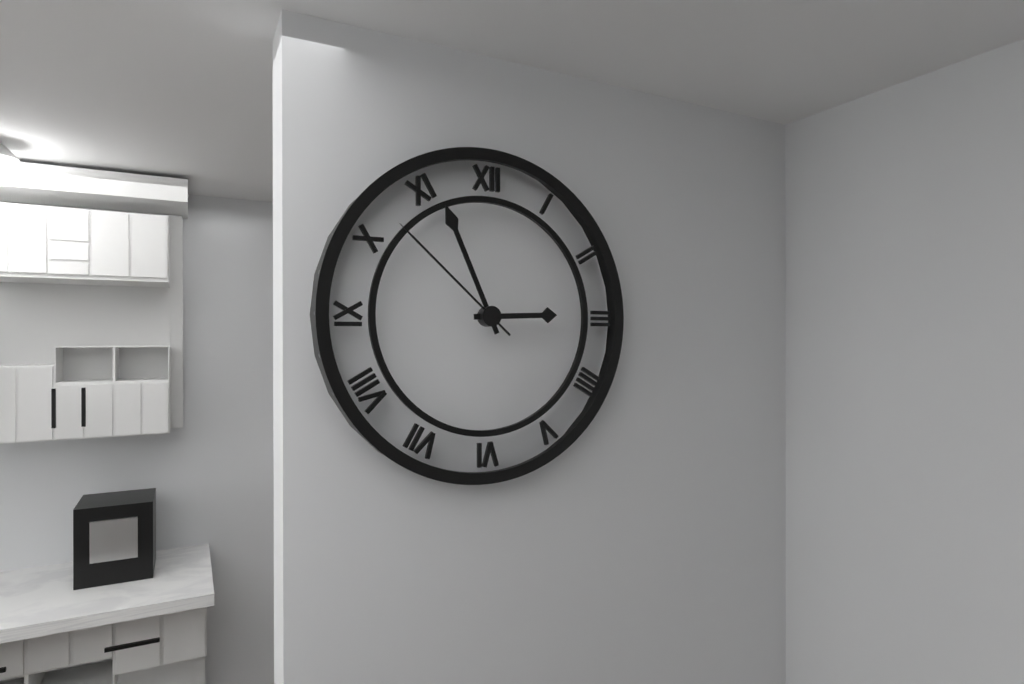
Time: {"hour": 2, "minute": 56, "second": 52}
